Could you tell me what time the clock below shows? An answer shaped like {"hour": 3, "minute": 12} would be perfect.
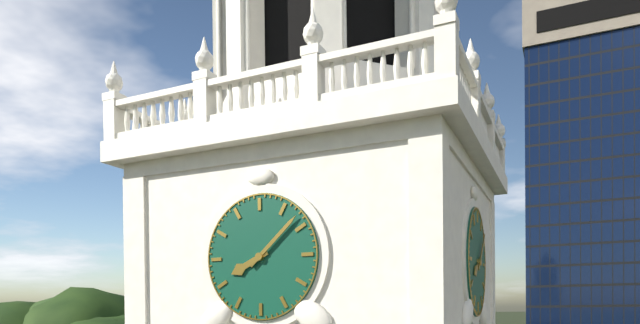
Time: {"hour": 8, "minute": 8}
